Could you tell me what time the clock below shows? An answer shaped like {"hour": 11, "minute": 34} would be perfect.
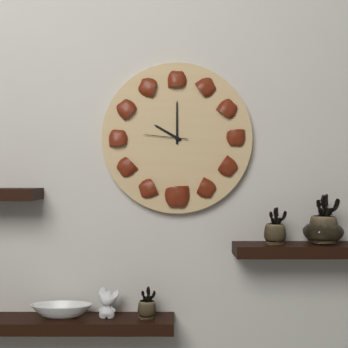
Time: {"hour": 10, "minute": 0}
